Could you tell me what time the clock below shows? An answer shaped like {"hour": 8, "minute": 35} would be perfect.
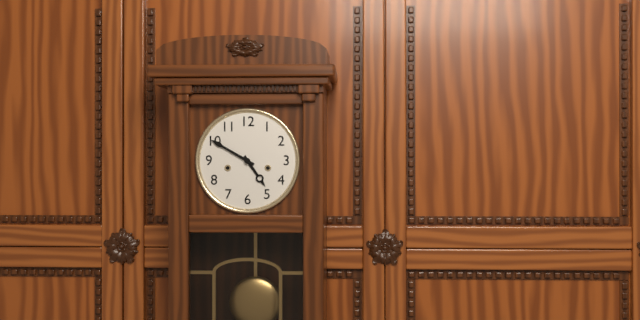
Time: {"hour": 4, "minute": 50}
